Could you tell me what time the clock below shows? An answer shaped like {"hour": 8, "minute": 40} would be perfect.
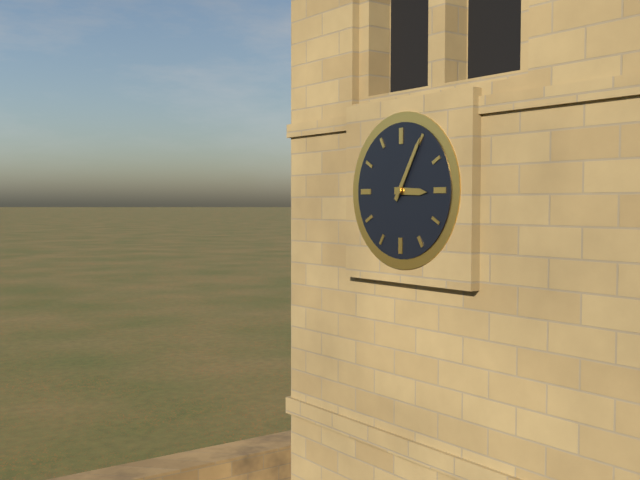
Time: {"hour": 3, "minute": 5}
